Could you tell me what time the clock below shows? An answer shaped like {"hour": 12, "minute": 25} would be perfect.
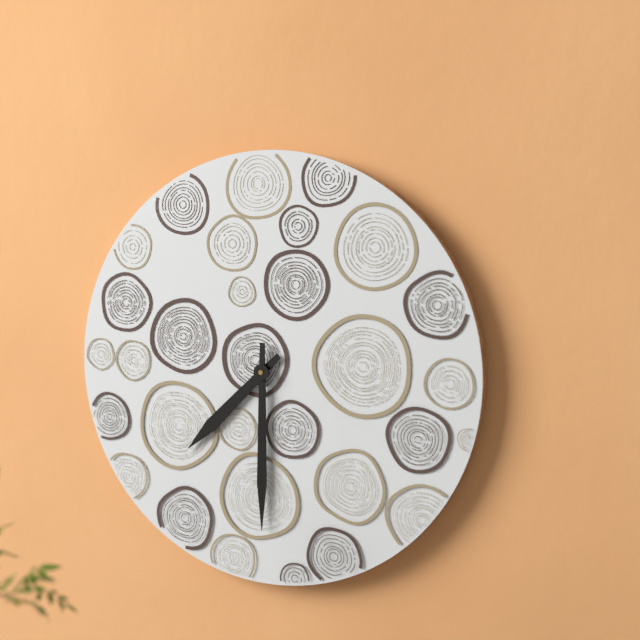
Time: {"hour": 7, "minute": 30}
